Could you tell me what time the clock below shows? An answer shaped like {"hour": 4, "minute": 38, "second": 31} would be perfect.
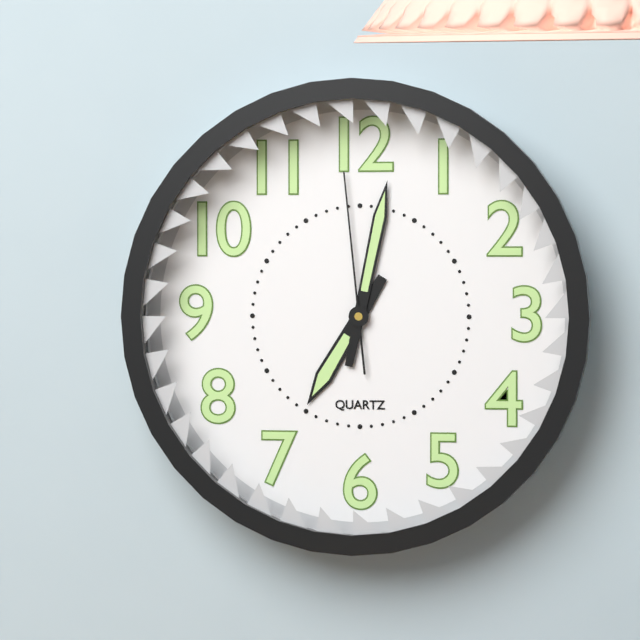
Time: {"hour": 7, "minute": 2, "second": 59}
